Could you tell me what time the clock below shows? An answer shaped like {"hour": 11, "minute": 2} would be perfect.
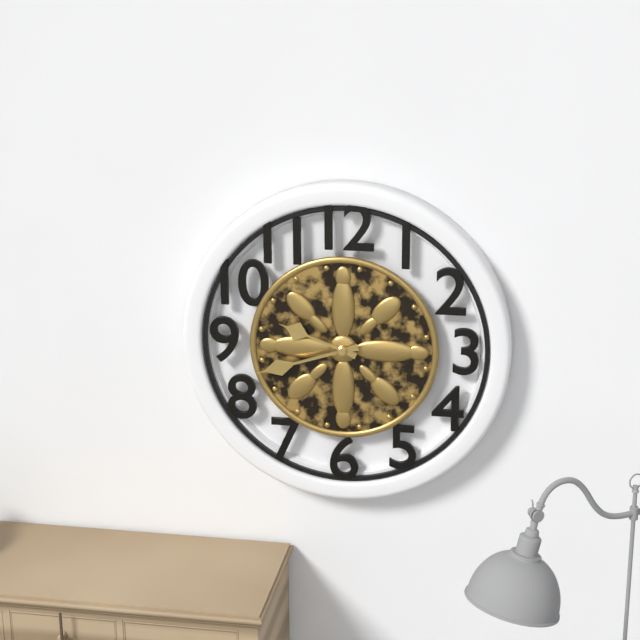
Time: {"hour": 9, "minute": 42}
